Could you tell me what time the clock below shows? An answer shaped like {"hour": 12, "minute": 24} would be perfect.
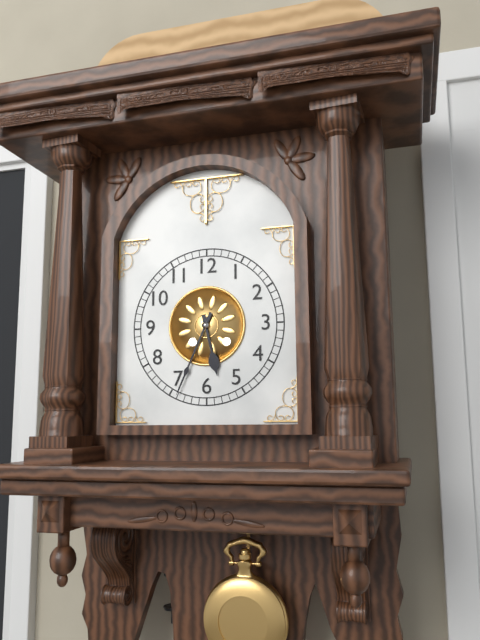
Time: {"hour": 5, "minute": 34}
